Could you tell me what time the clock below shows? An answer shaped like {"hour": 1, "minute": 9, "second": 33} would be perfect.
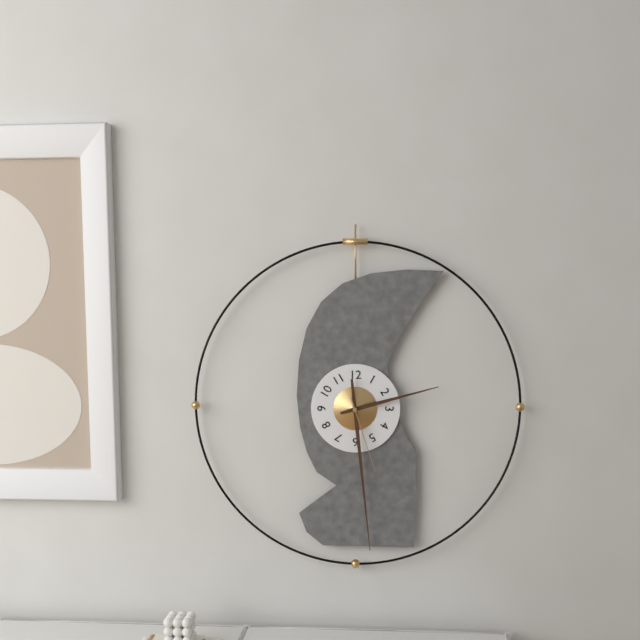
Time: {"hour": 2, "minute": 29, "second": 27}
